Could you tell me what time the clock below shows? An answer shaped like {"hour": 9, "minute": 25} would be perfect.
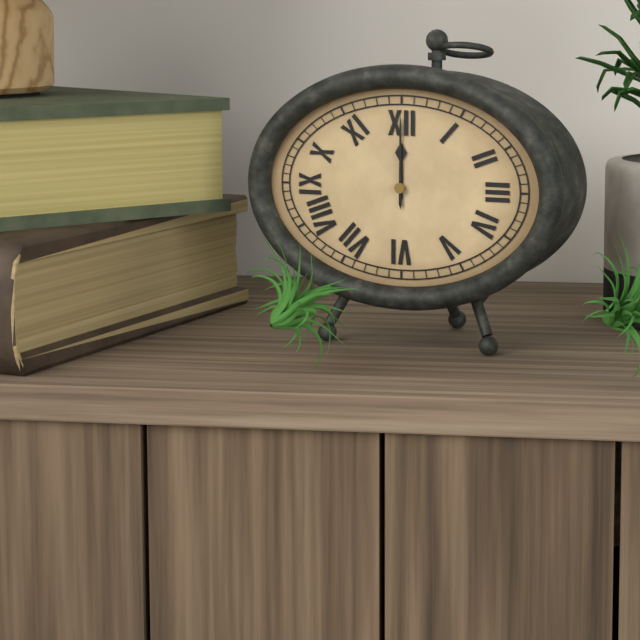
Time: {"hour": 12, "minute": 0}
